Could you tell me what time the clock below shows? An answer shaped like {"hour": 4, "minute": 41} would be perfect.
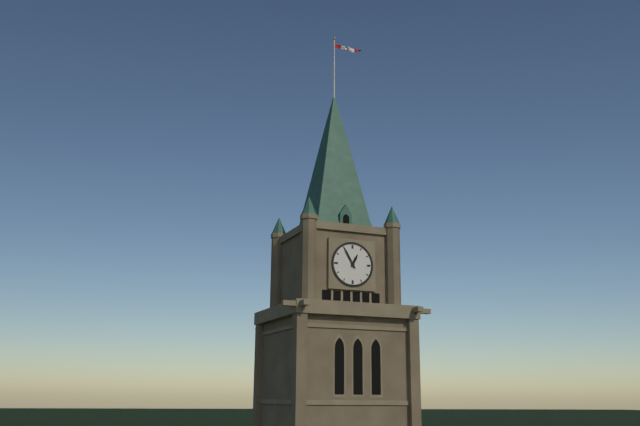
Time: {"hour": 12, "minute": 55}
